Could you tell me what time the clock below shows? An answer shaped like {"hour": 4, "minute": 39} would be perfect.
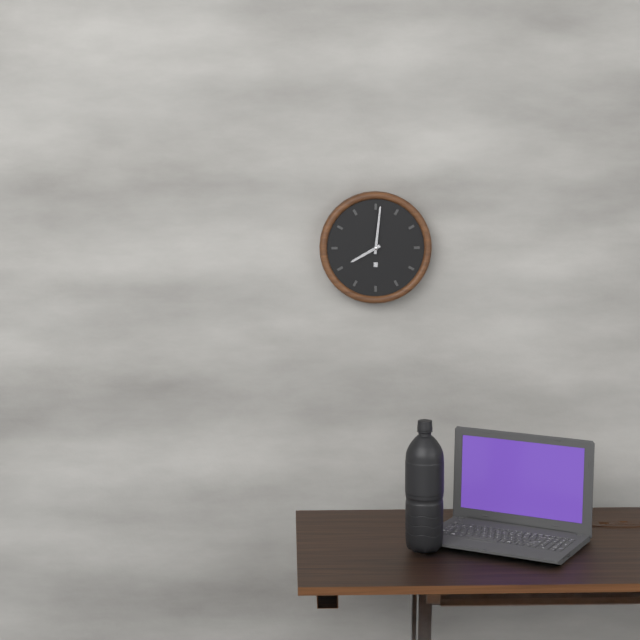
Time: {"hour": 8, "minute": 1}
